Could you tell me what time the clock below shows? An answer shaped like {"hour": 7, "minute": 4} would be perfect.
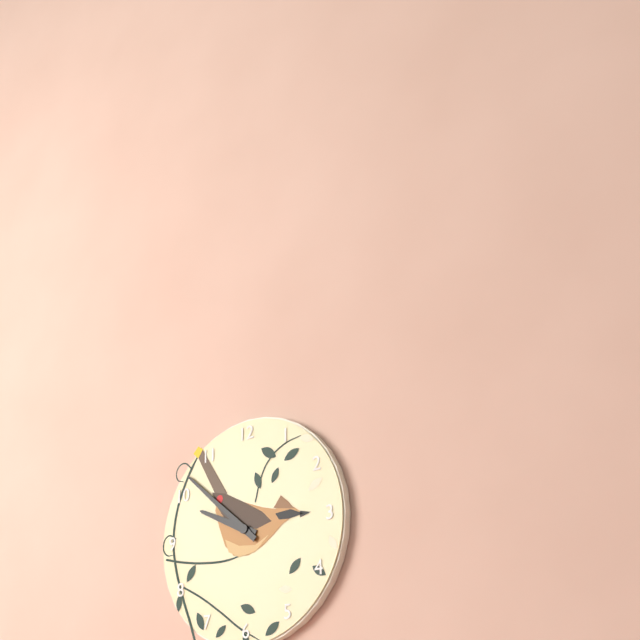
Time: {"hour": 9, "minute": 52}
